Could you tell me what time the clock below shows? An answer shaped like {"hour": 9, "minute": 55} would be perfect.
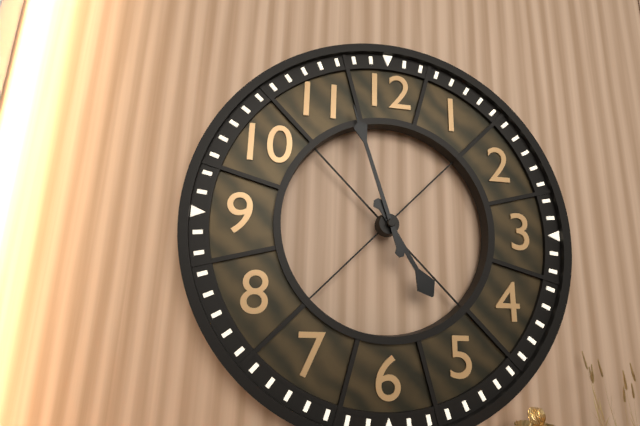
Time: {"hour": 4, "minute": 57}
